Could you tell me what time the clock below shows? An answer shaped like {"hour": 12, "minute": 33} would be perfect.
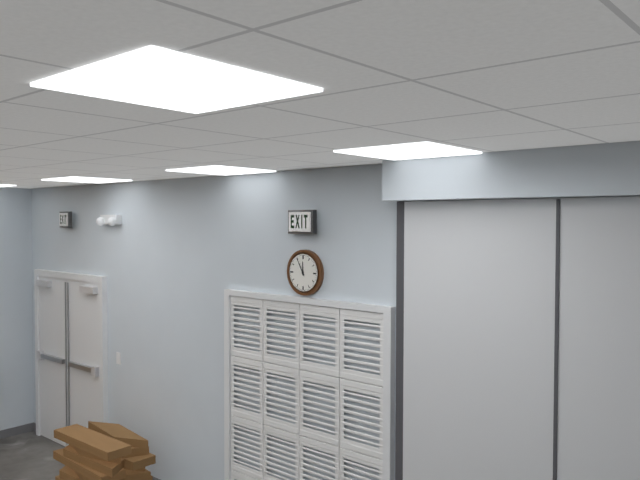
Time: {"hour": 11, "minute": 55}
